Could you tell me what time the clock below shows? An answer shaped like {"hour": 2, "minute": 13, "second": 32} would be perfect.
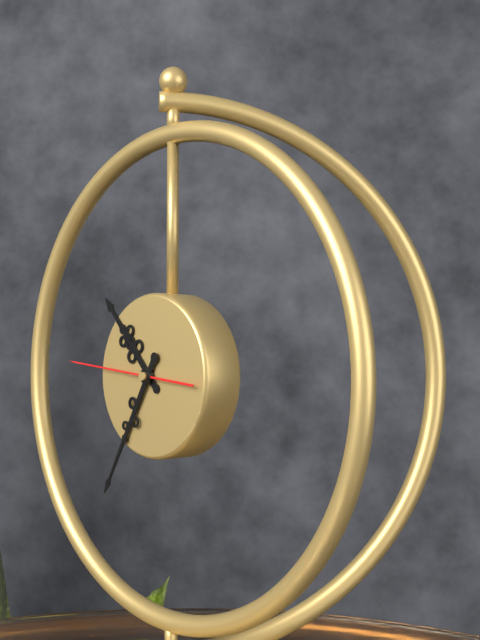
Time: {"hour": 10, "minute": 35, "second": 46}
